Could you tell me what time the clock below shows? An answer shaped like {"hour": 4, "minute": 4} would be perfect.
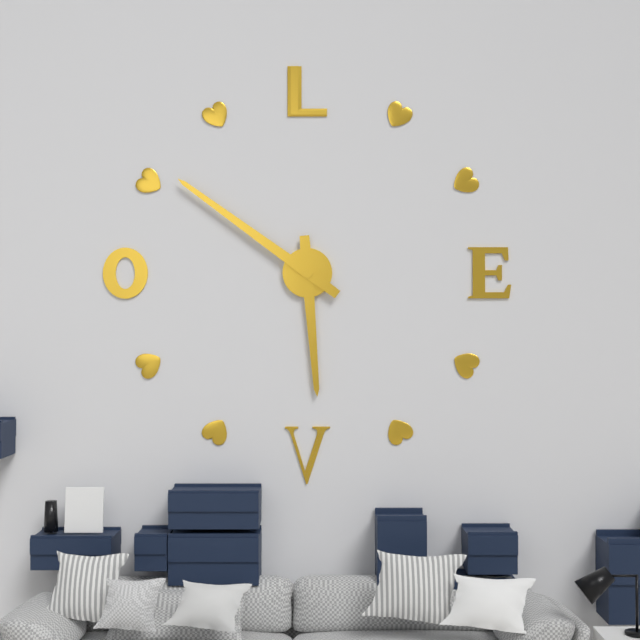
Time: {"hour": 5, "minute": 51}
